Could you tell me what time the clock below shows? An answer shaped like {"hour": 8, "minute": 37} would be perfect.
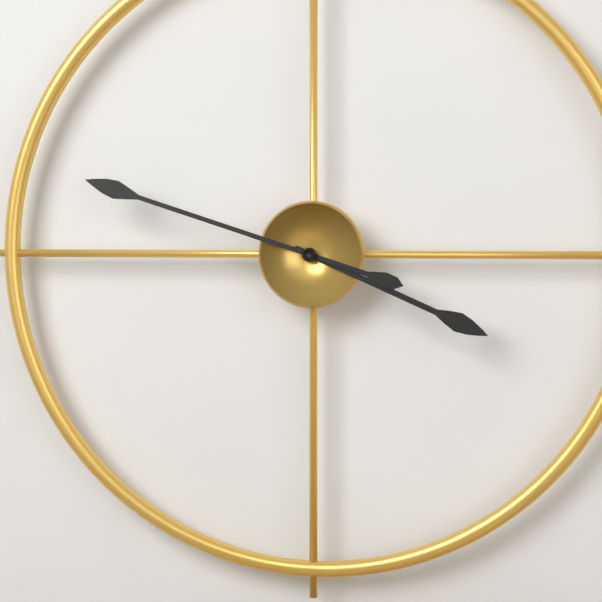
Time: {"hour": 3, "minute": 48}
